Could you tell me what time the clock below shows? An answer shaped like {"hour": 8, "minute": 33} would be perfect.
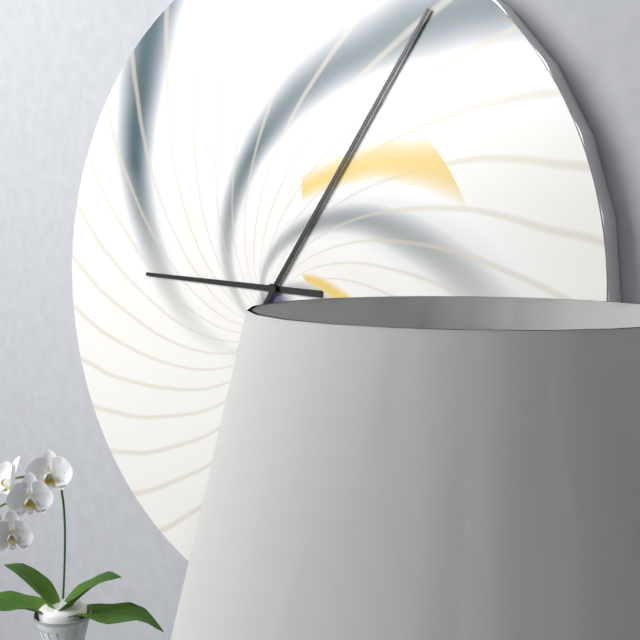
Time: {"hour": 9, "minute": 6}
